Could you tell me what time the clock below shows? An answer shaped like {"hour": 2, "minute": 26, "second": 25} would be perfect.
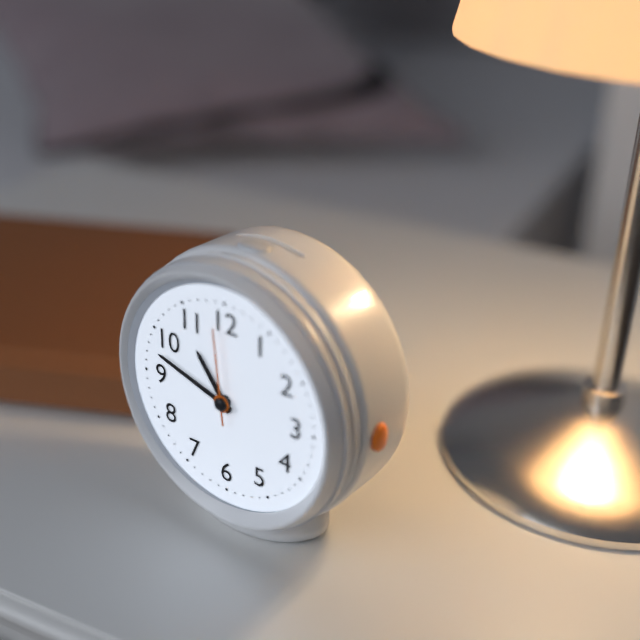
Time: {"hour": 10, "minute": 48, "second": 59}
